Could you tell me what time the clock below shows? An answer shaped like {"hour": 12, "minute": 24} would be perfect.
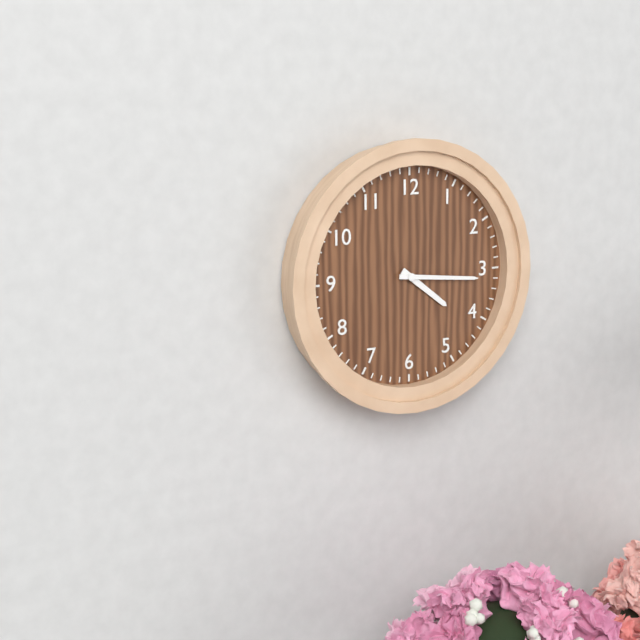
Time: {"hour": 4, "minute": 16}
